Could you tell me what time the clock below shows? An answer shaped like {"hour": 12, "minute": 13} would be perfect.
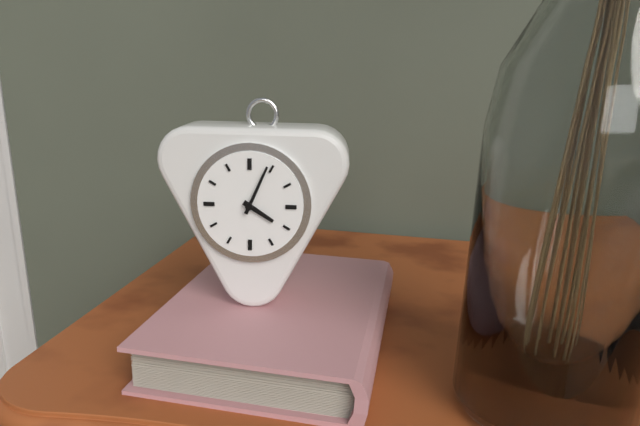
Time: {"hour": 4, "minute": 4}
